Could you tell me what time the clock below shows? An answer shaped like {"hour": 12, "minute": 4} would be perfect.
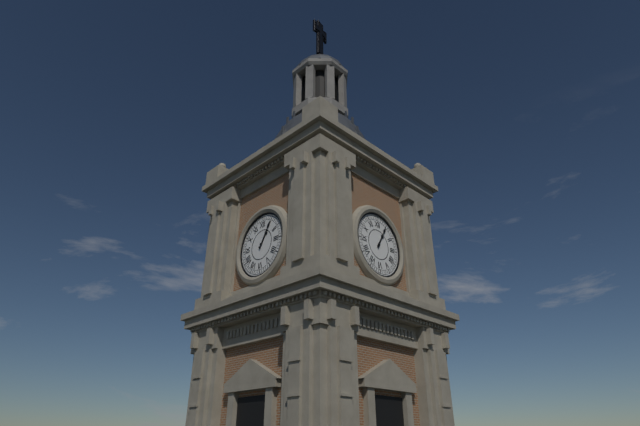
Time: {"hour": 1, "minute": 5}
